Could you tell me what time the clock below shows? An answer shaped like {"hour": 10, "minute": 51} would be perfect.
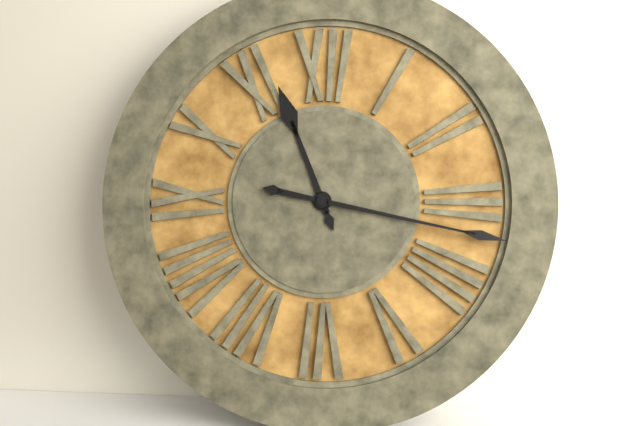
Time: {"hour": 11, "minute": 17}
